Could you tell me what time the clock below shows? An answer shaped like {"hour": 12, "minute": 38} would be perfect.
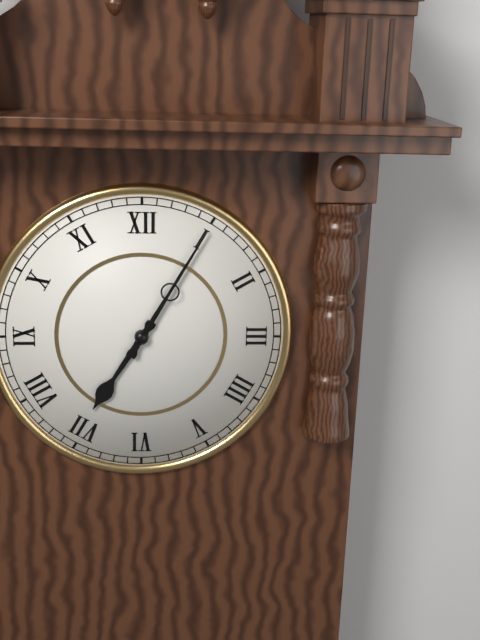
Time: {"hour": 7, "minute": 5}
